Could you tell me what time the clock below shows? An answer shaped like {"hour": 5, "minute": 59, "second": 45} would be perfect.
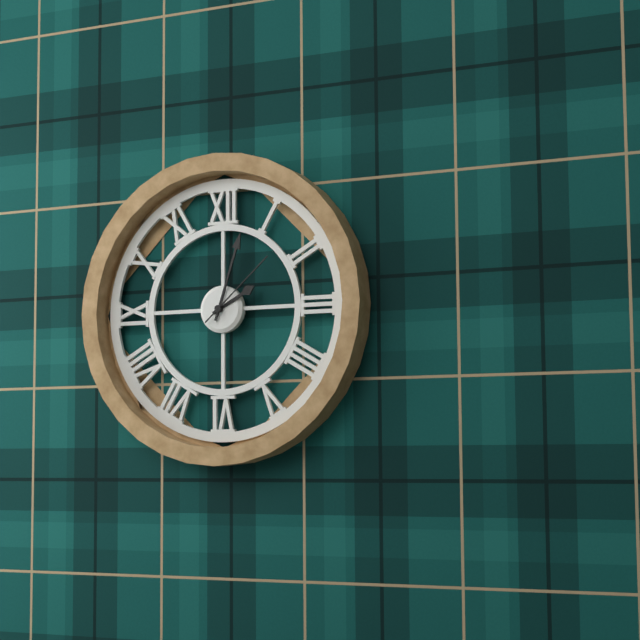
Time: {"hour": 2, "minute": 3, "second": 8}
